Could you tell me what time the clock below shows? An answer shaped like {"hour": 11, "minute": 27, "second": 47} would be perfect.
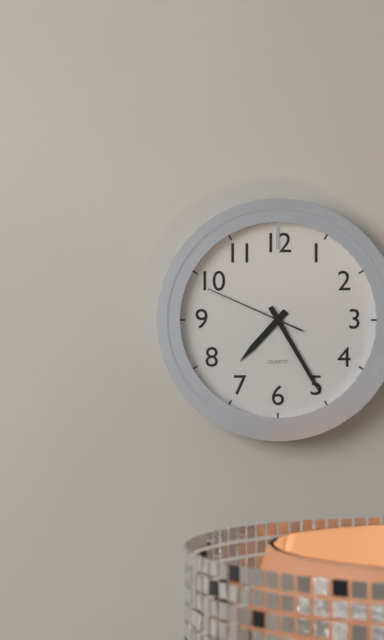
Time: {"hour": 7, "minute": 25, "second": 49}
